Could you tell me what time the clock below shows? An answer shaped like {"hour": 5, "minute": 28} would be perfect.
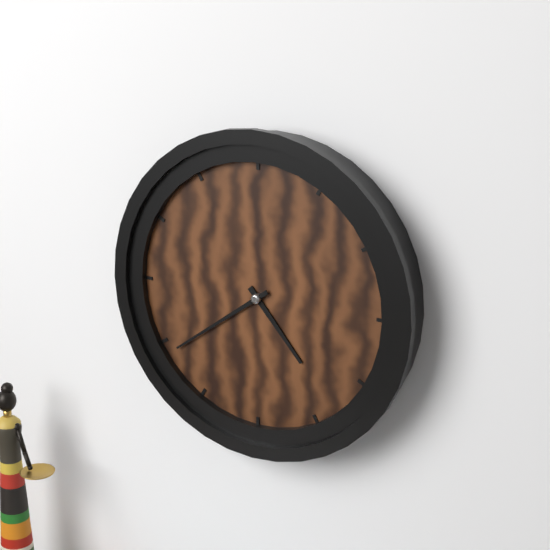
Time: {"hour": 4, "minute": 39}
